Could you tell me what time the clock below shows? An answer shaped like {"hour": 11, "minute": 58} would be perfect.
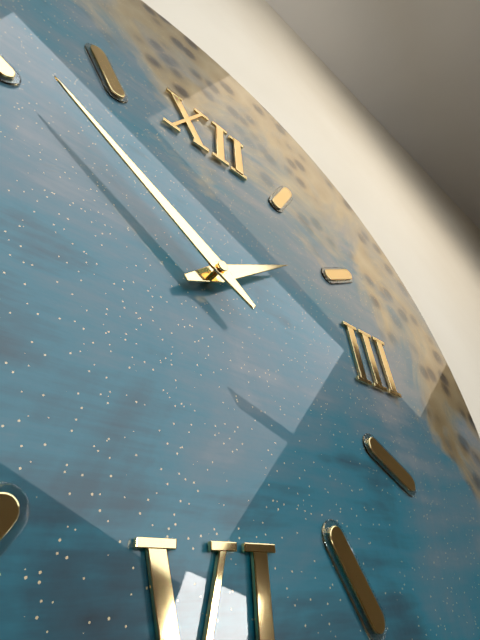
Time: {"hour": 1, "minute": 51}
